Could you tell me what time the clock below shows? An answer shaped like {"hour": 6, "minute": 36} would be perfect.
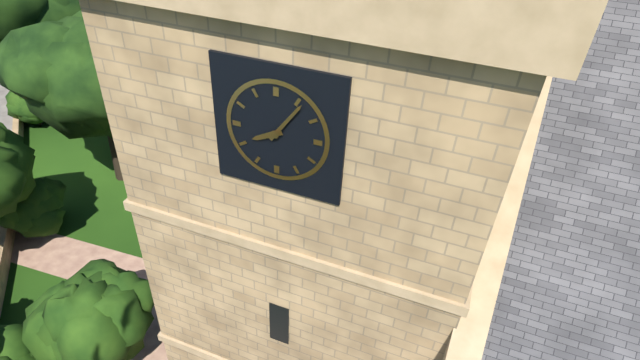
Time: {"hour": 8, "minute": 6}
